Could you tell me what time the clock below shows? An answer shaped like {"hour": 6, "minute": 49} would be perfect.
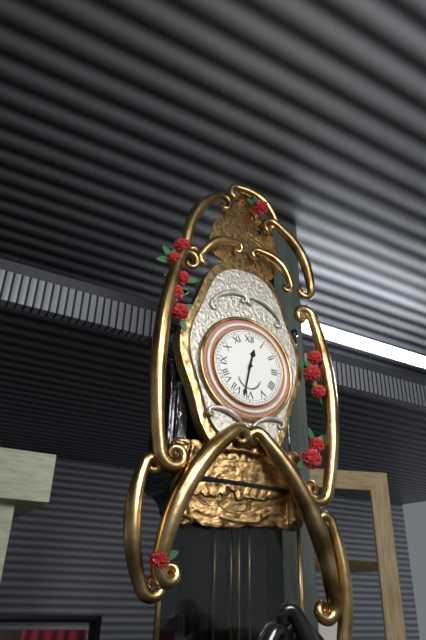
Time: {"hour": 12, "minute": 32}
